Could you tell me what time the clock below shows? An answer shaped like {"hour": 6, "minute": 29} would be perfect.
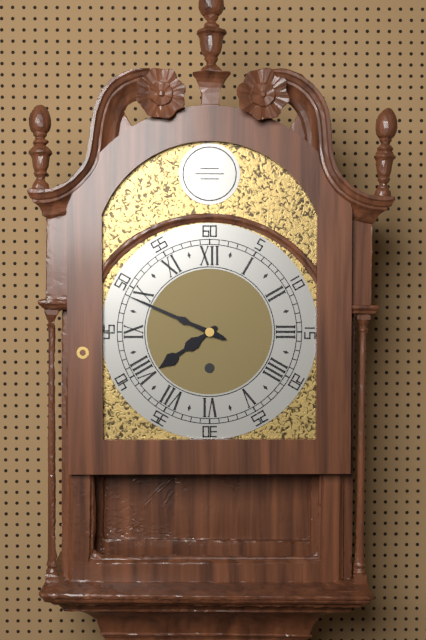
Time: {"hour": 7, "minute": 49}
